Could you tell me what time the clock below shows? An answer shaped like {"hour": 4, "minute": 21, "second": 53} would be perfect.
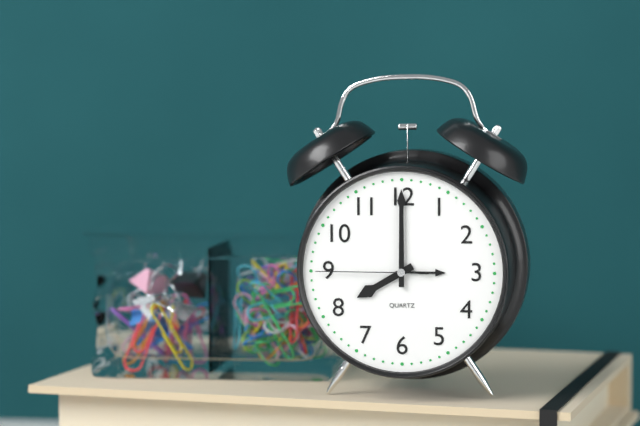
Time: {"hour": 8, "minute": 0, "second": 45}
